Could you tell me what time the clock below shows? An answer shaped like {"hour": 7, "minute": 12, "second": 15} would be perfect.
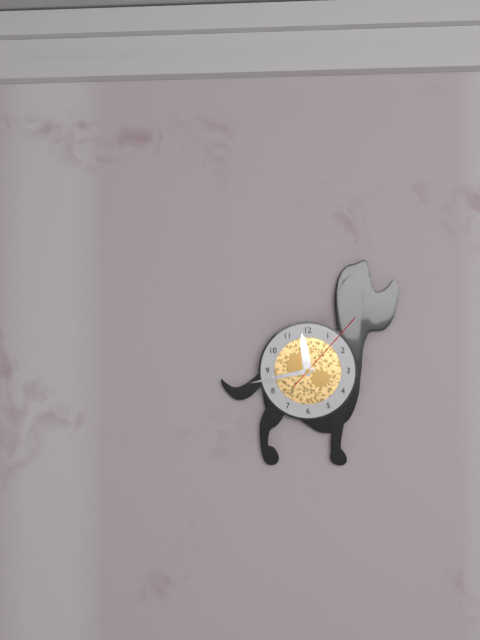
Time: {"hour": 11, "minute": 43, "second": 7}
